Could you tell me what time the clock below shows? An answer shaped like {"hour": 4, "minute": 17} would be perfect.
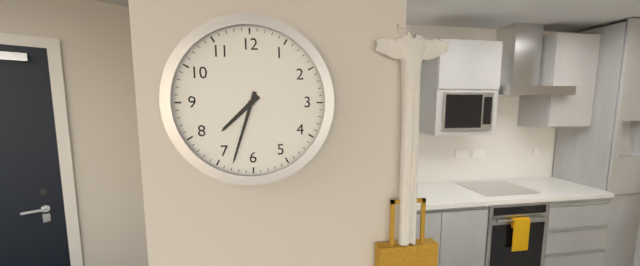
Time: {"hour": 7, "minute": 33}
